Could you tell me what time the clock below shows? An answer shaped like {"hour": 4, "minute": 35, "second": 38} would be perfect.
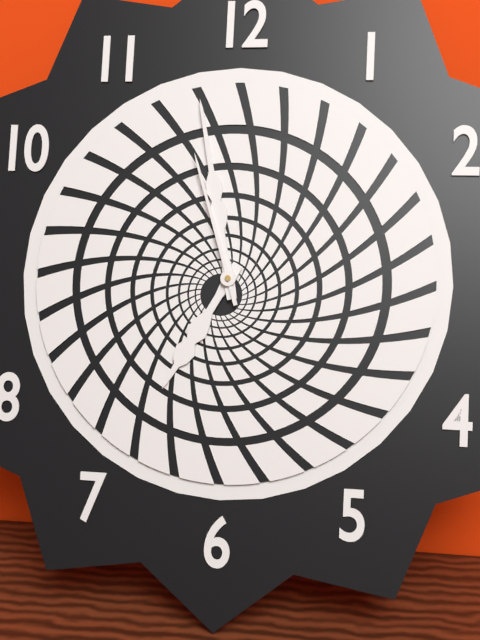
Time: {"hour": 6, "minute": 58, "second": 57}
